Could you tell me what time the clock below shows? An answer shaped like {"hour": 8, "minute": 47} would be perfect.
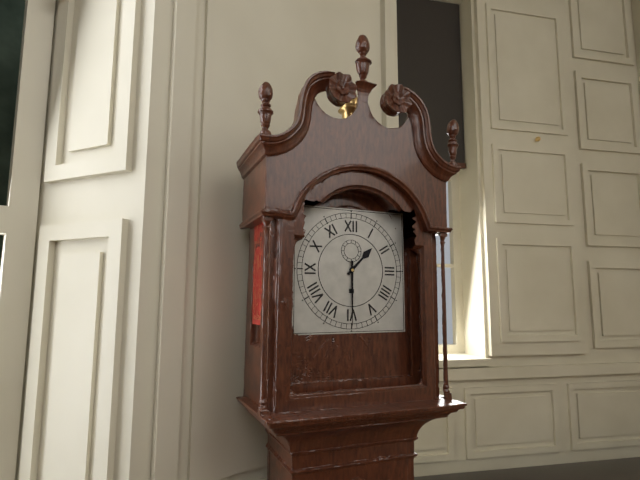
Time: {"hour": 1, "minute": 30}
